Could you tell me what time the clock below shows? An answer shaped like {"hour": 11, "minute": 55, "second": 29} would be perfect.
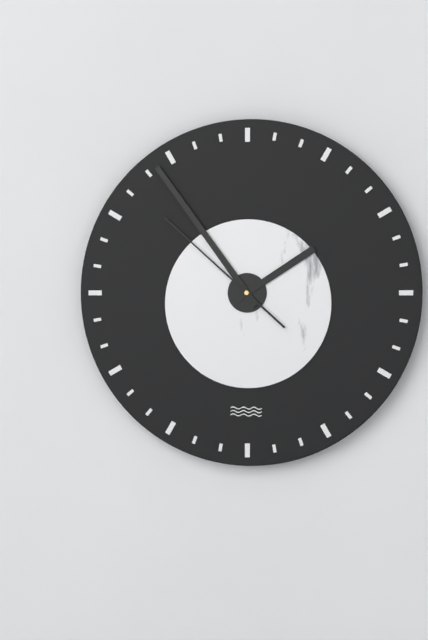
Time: {"hour": 1, "minute": 54, "second": 52}
